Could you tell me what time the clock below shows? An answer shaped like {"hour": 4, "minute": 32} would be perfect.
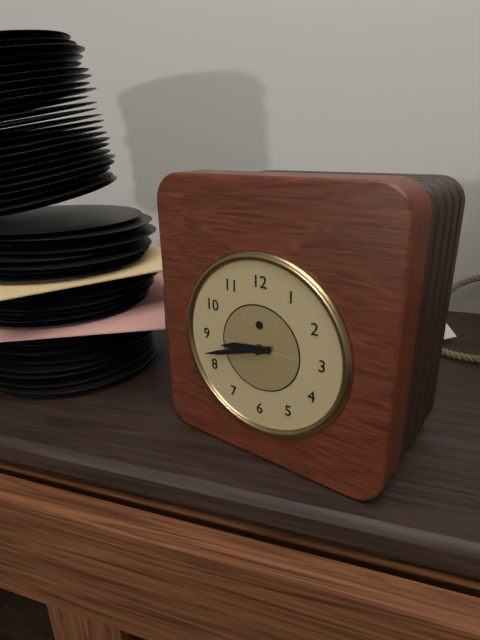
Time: {"hour": 8, "minute": 42}
